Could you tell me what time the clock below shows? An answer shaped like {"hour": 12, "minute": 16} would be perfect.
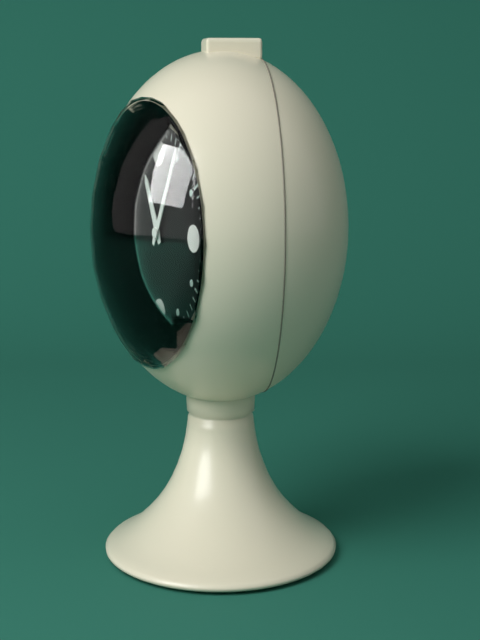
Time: {"hour": 11, "minute": 5}
